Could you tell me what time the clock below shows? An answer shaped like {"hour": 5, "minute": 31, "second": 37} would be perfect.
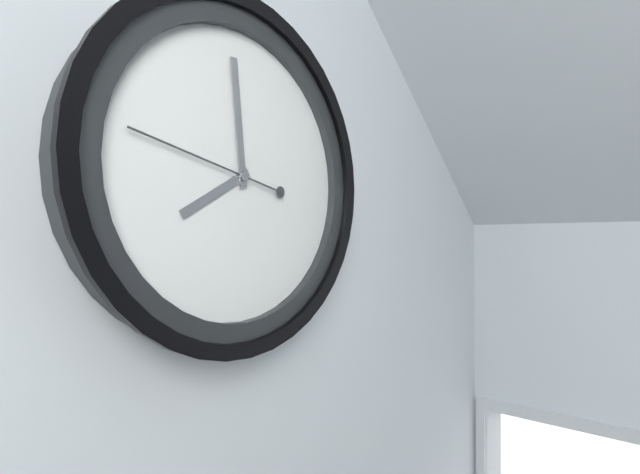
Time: {"hour": 7, "minute": 59, "second": 47}
